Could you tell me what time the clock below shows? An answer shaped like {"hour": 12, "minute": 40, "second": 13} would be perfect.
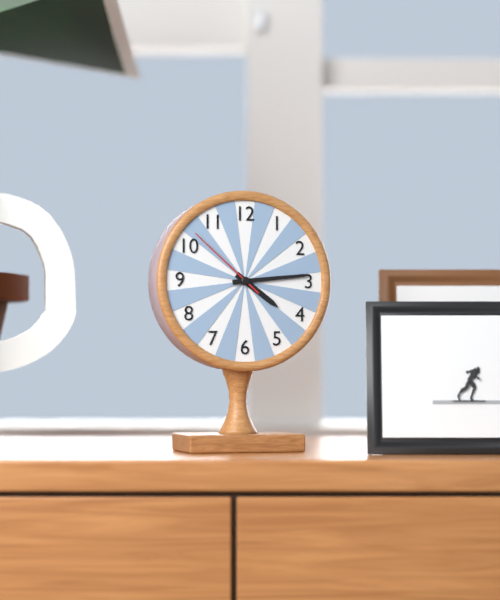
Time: {"hour": 4, "minute": 14, "second": 52}
